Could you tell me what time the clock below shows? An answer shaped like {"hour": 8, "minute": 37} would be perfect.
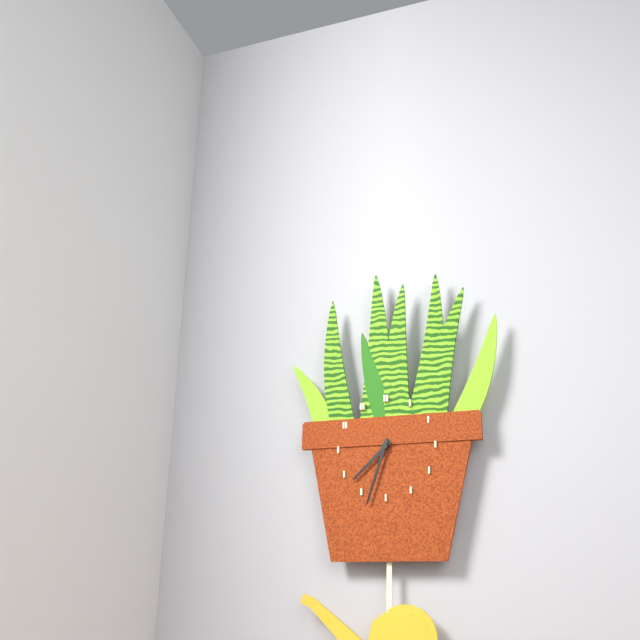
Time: {"hour": 7, "minute": 33}
